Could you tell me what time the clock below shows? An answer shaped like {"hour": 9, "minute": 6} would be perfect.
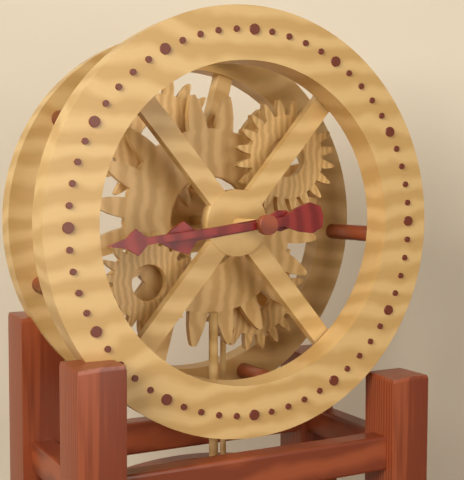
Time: {"hour": 8, "minute": 44}
